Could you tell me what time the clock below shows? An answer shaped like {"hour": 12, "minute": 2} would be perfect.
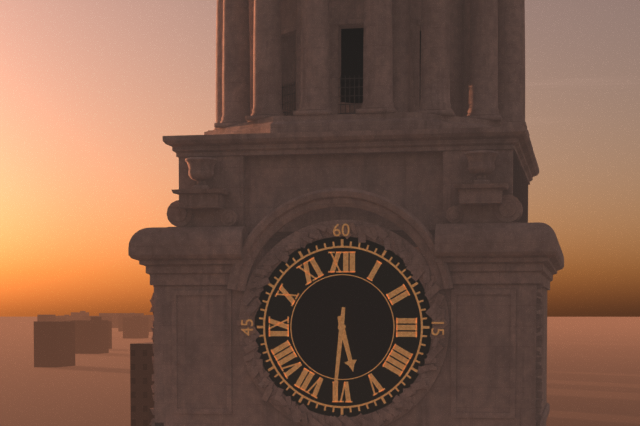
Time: {"hour": 5, "minute": 31}
